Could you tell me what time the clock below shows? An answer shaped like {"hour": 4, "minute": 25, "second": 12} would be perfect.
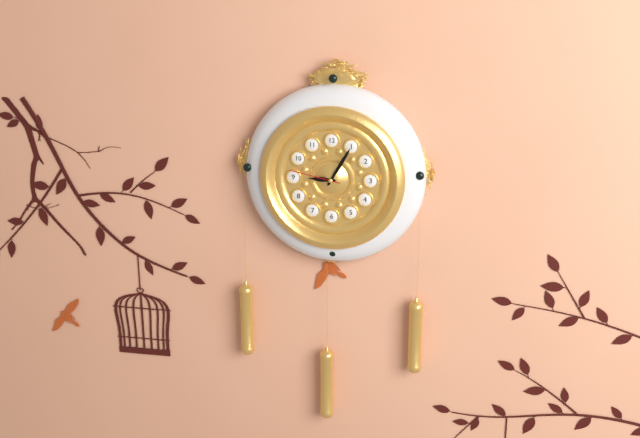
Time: {"hour": 9, "minute": 5, "second": 47}
